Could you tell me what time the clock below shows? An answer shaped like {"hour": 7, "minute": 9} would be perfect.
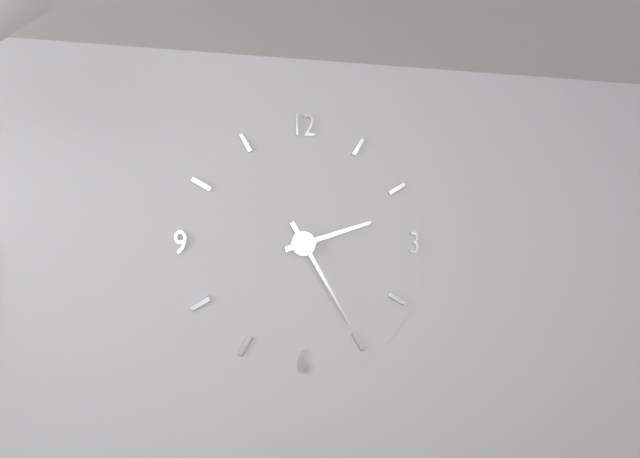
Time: {"hour": 2, "minute": 25}
